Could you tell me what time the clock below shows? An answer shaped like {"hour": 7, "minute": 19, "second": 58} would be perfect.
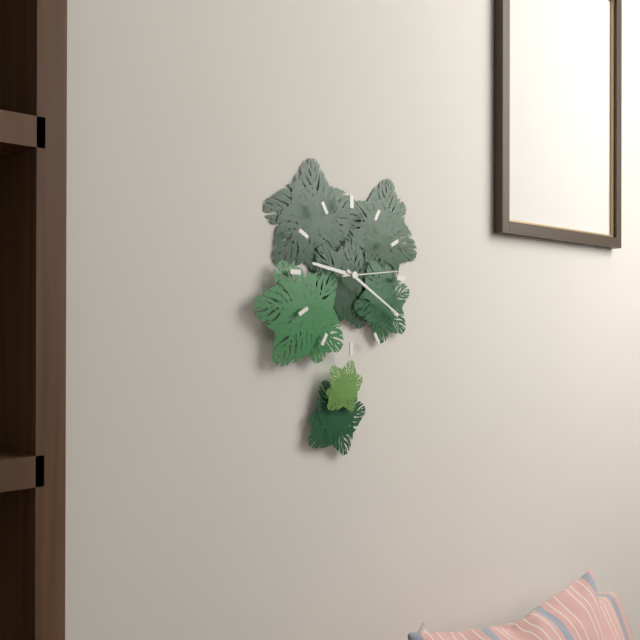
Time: {"hour": 9, "minute": 20, "second": 14}
